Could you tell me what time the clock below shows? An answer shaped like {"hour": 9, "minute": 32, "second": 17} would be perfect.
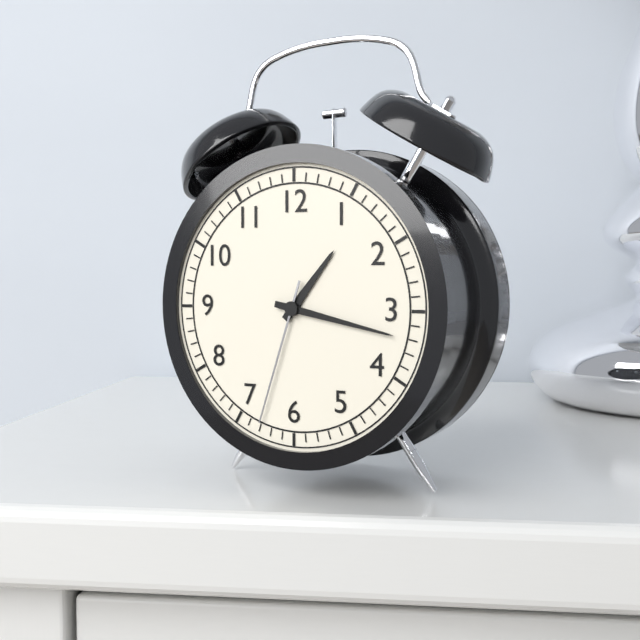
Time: {"hour": 1, "minute": 17, "second": 33}
